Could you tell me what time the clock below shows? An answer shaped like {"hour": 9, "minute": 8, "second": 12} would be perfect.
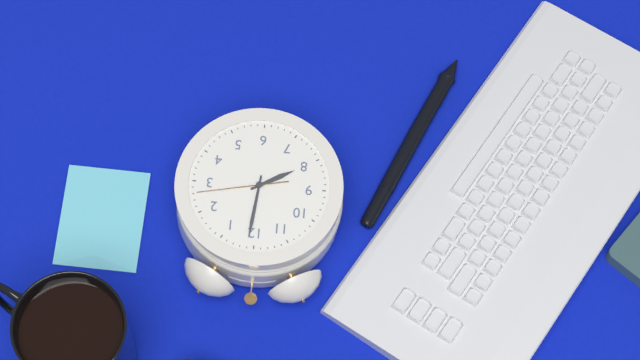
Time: {"hour": 8, "minute": 1, "second": 13}
